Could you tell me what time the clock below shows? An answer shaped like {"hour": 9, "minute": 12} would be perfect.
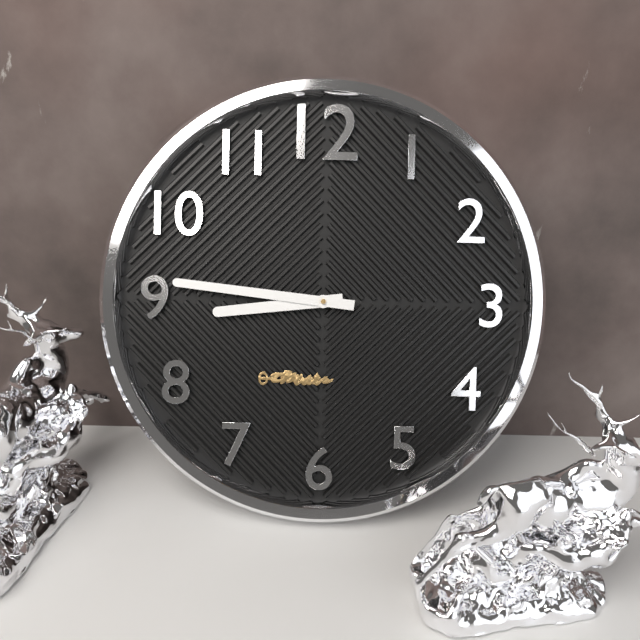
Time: {"hour": 8, "minute": 46}
